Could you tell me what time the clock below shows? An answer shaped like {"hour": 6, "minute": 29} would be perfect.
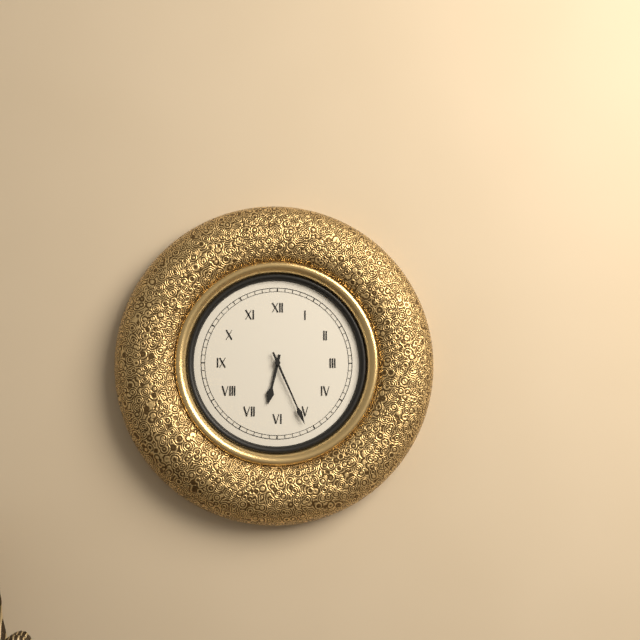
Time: {"hour": 6, "minute": 26}
